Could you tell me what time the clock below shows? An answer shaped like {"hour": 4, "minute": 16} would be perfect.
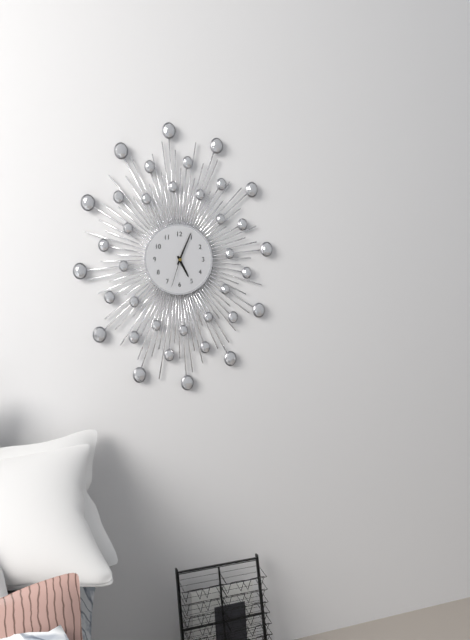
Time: {"hour": 5, "minute": 4}
